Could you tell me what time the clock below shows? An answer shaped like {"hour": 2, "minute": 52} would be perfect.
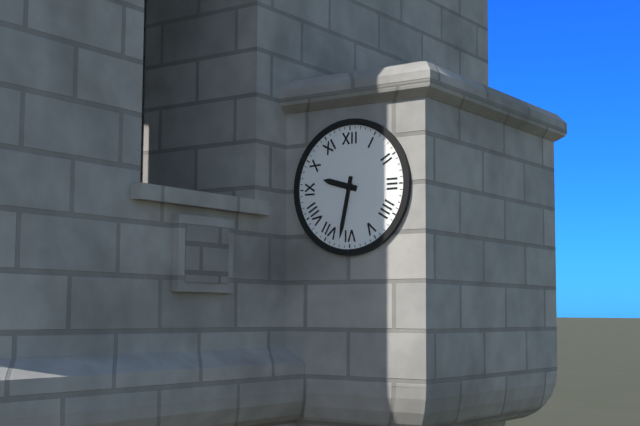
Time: {"hour": 9, "minute": 32}
